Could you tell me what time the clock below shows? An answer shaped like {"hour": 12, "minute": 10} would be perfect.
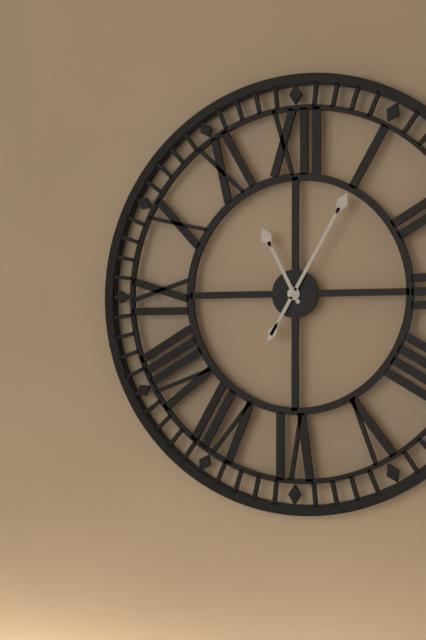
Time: {"hour": 11, "minute": 5}
